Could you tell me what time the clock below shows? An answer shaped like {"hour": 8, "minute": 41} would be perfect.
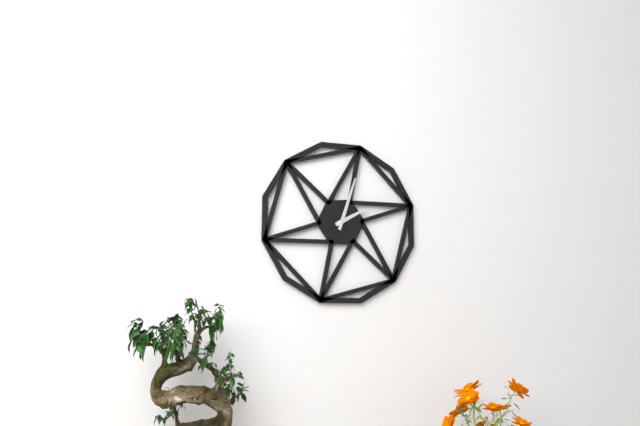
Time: {"hour": 2, "minute": 3}
